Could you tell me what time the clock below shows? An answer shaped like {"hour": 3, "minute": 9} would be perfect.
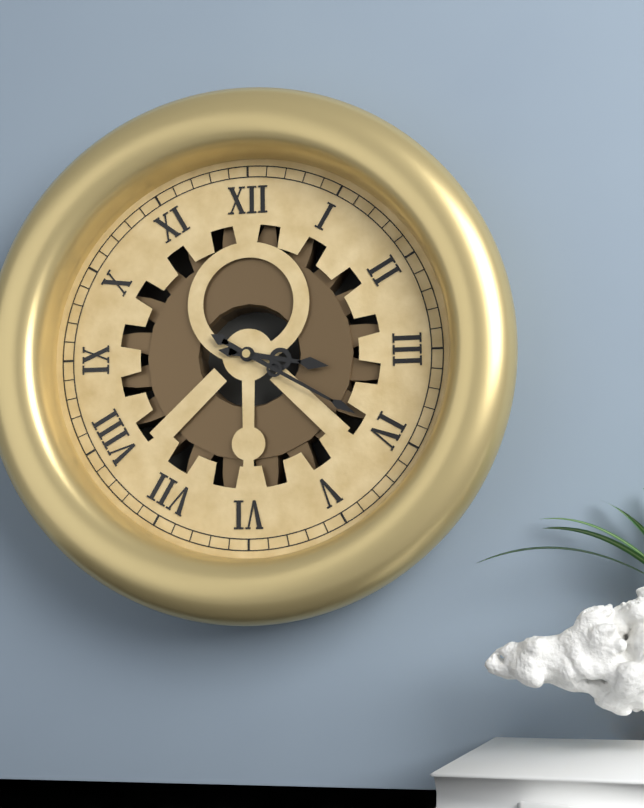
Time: {"hour": 3, "minute": 20}
